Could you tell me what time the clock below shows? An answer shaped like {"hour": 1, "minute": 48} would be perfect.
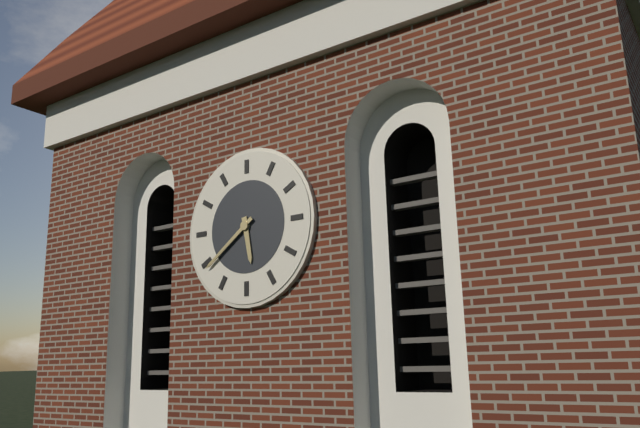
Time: {"hour": 5, "minute": 39}
